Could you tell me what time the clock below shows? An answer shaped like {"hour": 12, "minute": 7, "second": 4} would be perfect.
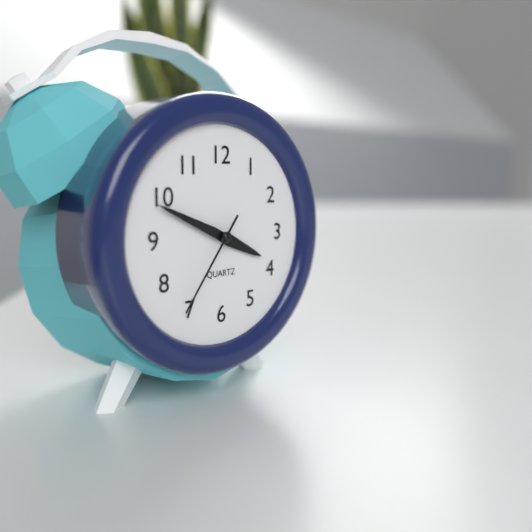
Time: {"hour": 3, "minute": 49, "second": 36}
